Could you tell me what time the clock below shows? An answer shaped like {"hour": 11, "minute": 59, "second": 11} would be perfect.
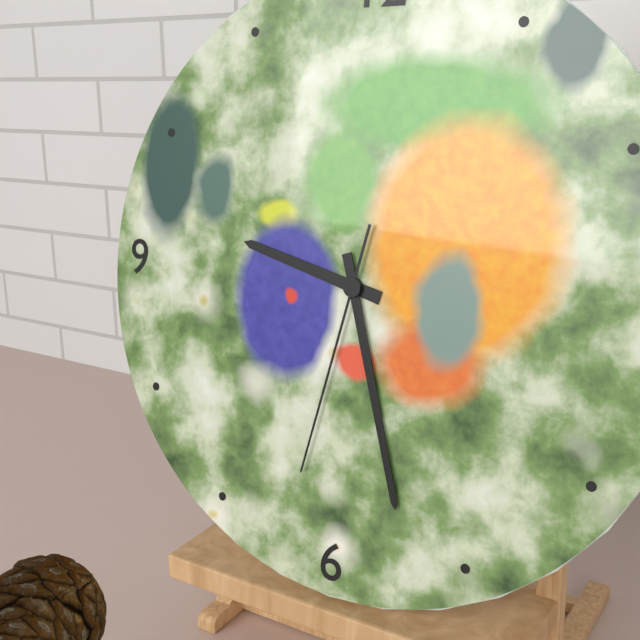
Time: {"hour": 9, "minute": 27, "second": 32}
